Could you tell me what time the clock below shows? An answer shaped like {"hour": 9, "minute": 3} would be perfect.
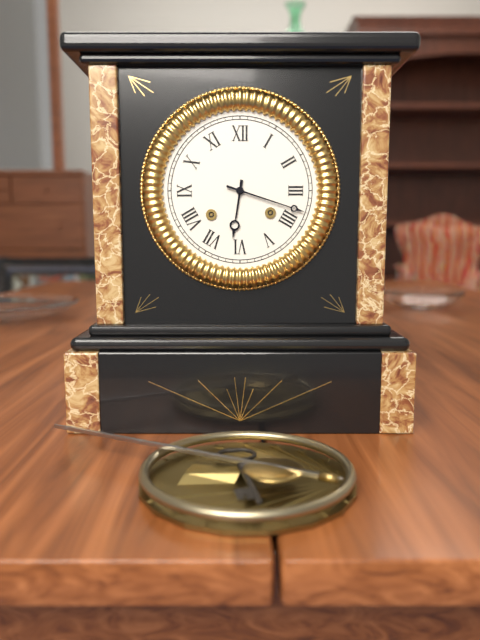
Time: {"hour": 6, "minute": 18}
